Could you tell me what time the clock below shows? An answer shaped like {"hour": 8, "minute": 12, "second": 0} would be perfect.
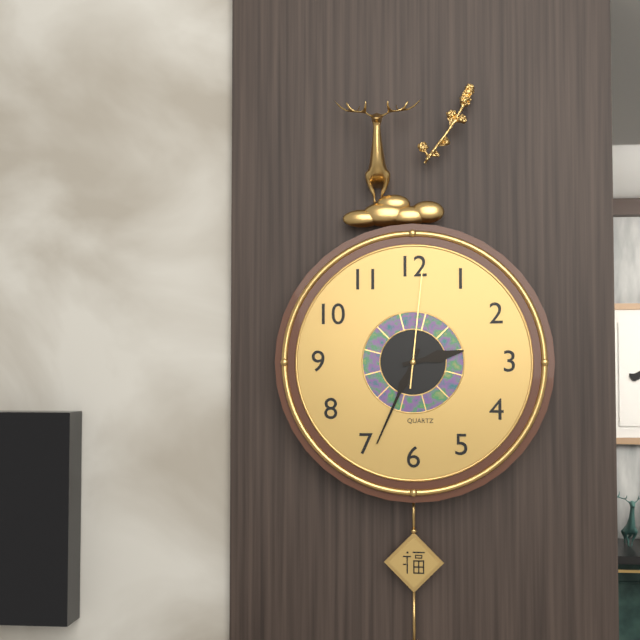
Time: {"hour": 2, "minute": 34, "second": 1}
